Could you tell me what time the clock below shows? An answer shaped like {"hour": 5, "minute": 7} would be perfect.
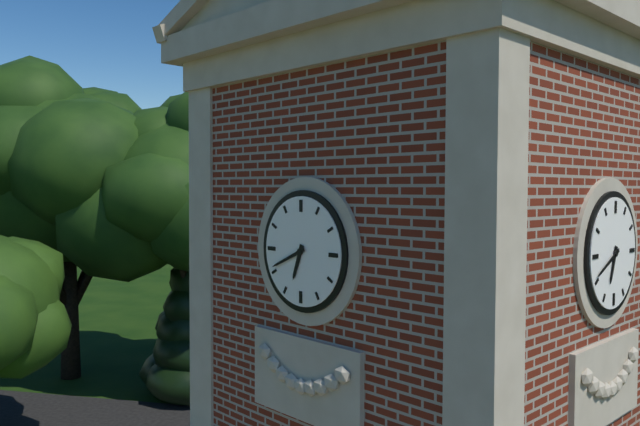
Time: {"hour": 6, "minute": 41}
